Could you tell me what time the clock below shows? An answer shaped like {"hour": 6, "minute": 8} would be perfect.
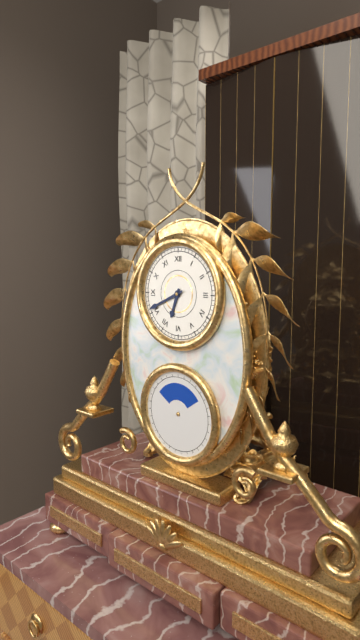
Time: {"hour": 6, "minute": 41}
